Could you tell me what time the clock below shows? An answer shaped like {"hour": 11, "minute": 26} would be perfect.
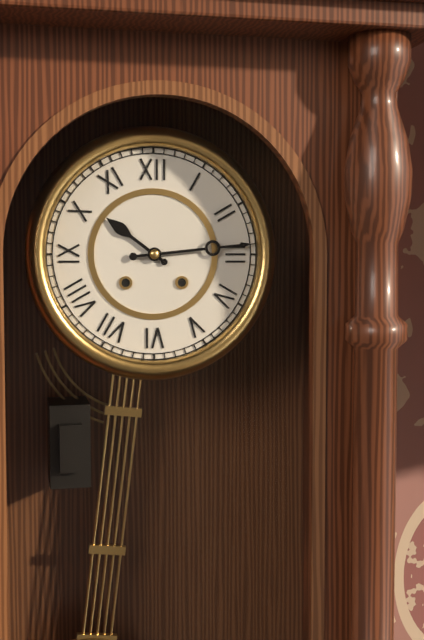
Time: {"hour": 10, "minute": 14}
